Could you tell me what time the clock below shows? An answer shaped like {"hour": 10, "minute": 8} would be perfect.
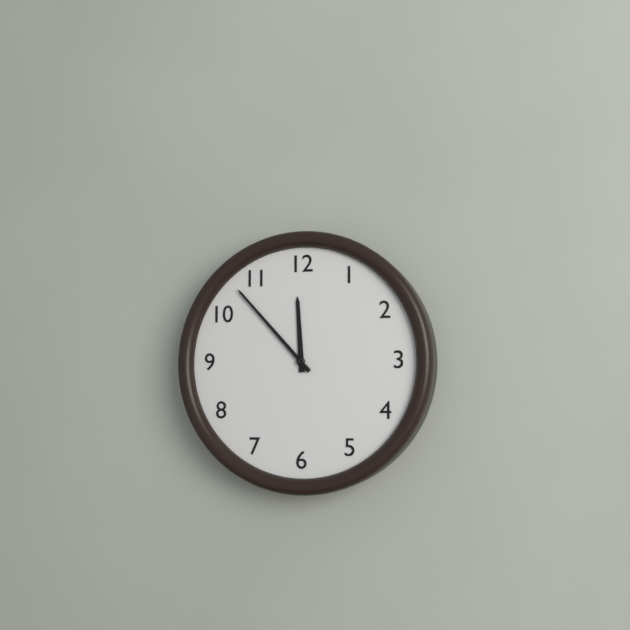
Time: {"hour": 11, "minute": 53}
